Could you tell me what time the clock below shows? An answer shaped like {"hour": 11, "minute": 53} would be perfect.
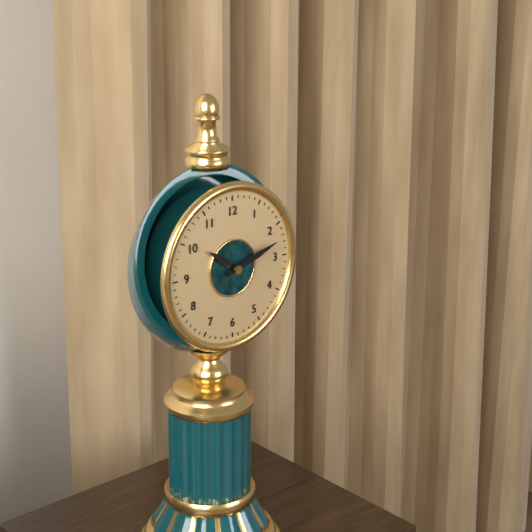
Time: {"hour": 10, "minute": 12}
